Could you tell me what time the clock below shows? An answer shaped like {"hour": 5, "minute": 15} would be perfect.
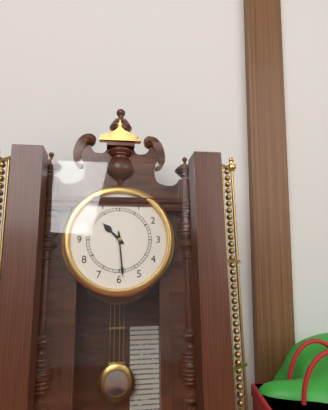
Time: {"hour": 10, "minute": 29}
